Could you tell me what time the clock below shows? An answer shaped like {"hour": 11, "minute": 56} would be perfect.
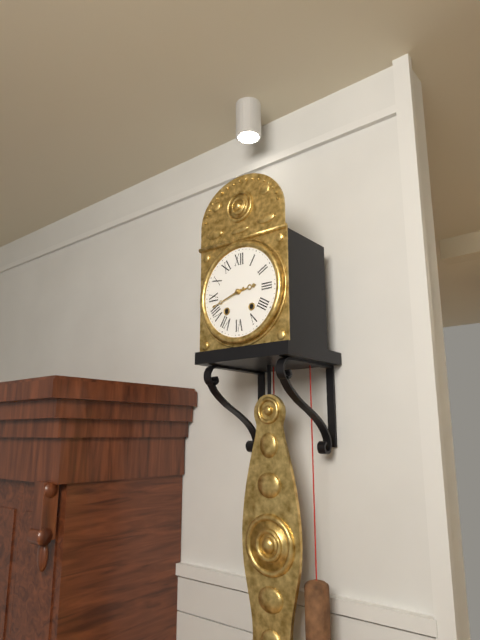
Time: {"hour": 2, "minute": 42}
